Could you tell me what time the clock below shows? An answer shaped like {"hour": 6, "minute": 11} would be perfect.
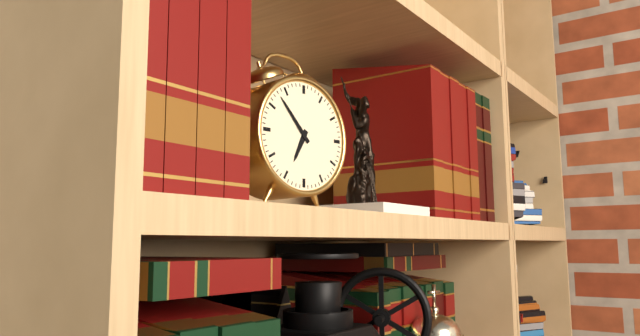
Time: {"hour": 6, "minute": 53}
